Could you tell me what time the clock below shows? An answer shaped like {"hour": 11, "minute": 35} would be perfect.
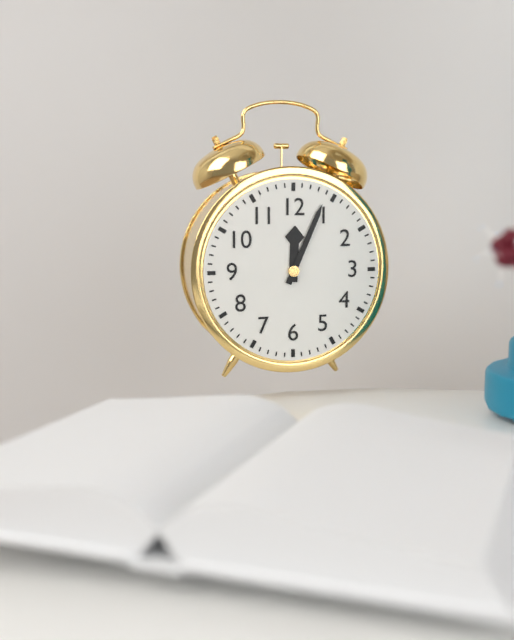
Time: {"hour": 12, "minute": 4}
